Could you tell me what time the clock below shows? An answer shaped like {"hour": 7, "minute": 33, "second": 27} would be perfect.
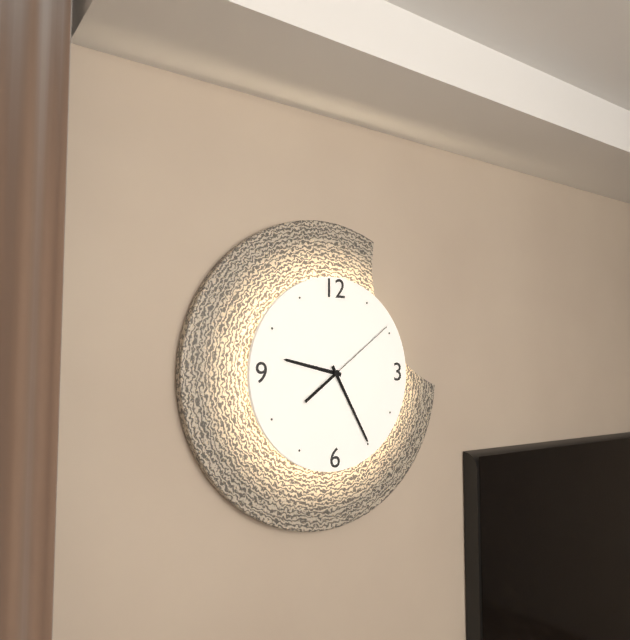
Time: {"hour": 9, "minute": 25, "second": 9}
